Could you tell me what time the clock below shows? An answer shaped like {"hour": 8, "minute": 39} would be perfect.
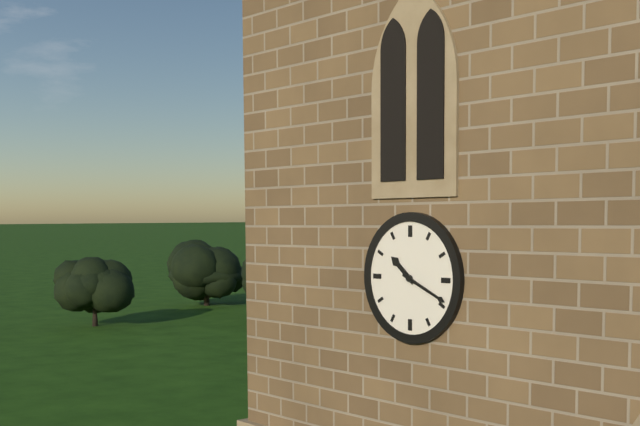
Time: {"hour": 10, "minute": 19}
